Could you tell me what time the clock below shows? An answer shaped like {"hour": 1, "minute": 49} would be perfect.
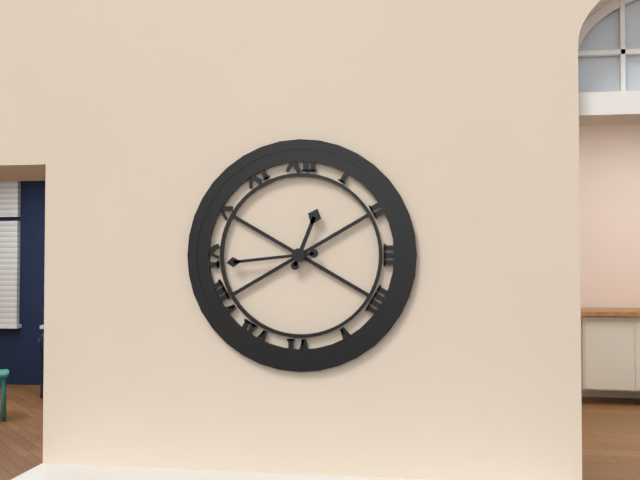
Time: {"hour": 12, "minute": 44}
